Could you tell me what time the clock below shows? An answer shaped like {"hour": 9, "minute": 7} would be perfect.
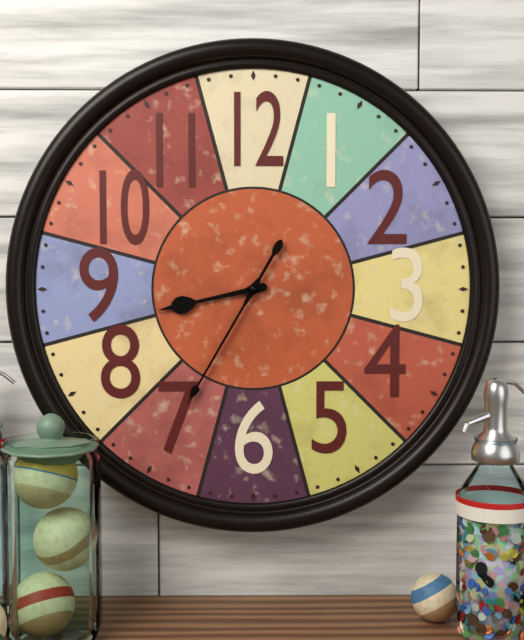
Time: {"hour": 8, "minute": 35}
